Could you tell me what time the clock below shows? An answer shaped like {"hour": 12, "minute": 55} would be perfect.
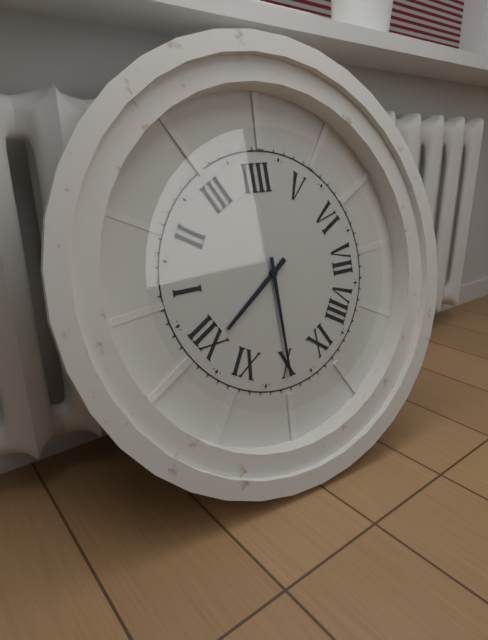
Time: {"hour": 11, "minute": 50}
